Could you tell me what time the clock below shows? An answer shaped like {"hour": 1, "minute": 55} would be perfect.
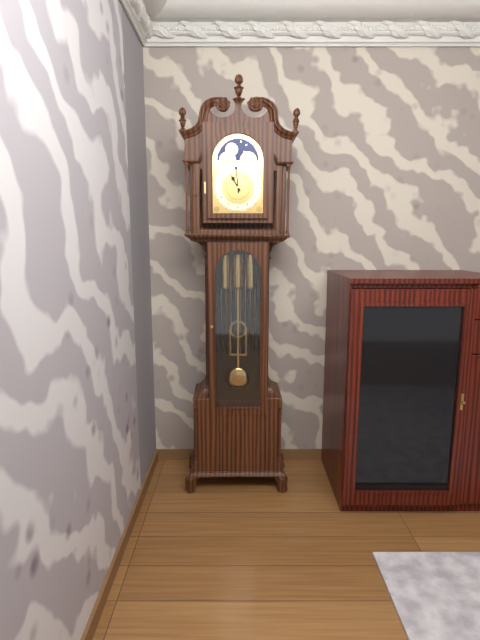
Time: {"hour": 10, "minute": 59}
